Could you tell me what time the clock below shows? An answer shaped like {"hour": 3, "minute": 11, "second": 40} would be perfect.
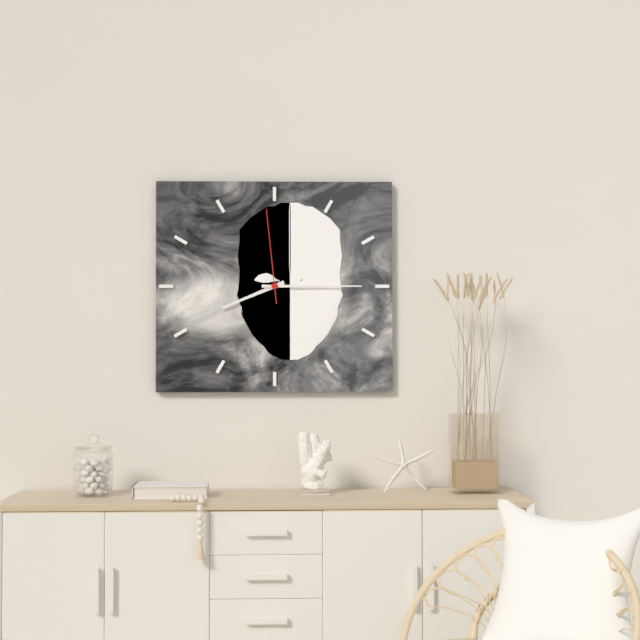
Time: {"hour": 8, "minute": 15, "second": 59}
